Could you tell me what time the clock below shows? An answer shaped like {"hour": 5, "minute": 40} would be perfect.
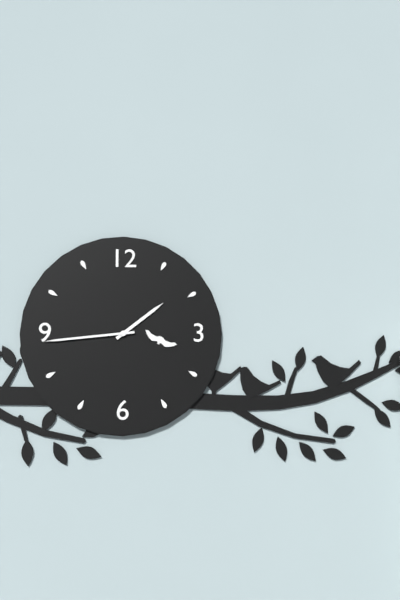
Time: {"hour": 1, "minute": 44}
